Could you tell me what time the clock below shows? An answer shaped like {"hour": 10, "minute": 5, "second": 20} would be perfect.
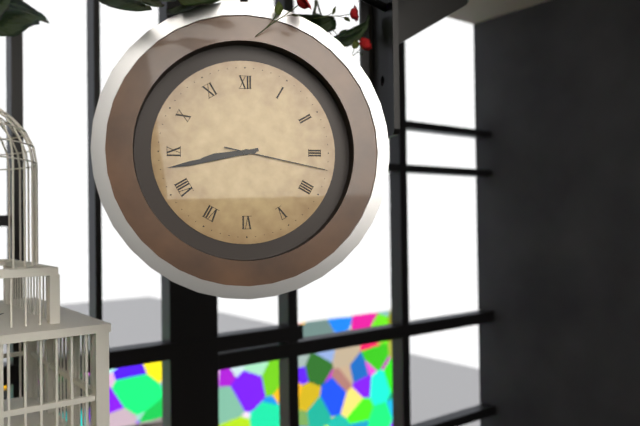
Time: {"hour": 8, "minute": 43, "second": 17}
